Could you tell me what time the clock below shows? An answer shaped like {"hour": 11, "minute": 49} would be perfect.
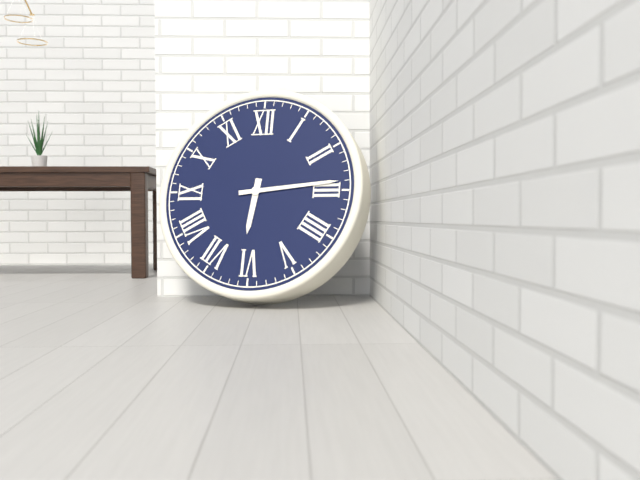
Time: {"hour": 6, "minute": 14}
